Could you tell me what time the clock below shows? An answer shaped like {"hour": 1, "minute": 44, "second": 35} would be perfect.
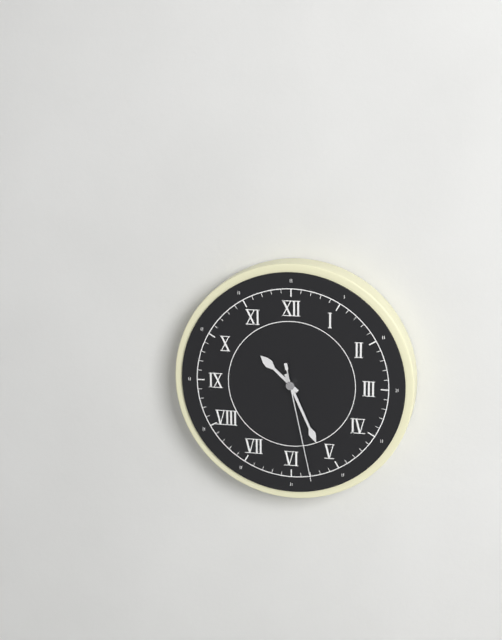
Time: {"hour": 10, "minute": 26, "second": 28}
